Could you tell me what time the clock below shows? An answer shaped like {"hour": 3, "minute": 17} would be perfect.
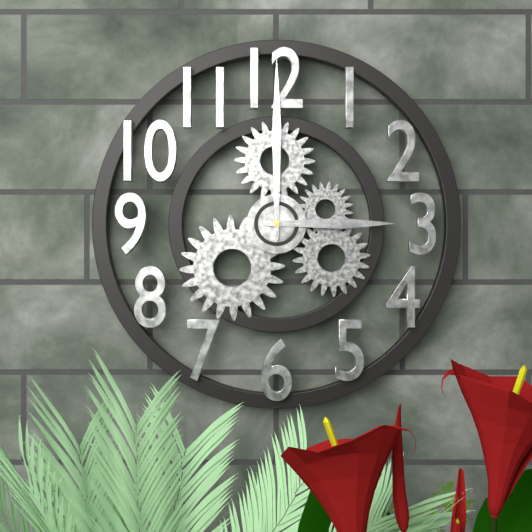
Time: {"hour": 3, "minute": 0}
